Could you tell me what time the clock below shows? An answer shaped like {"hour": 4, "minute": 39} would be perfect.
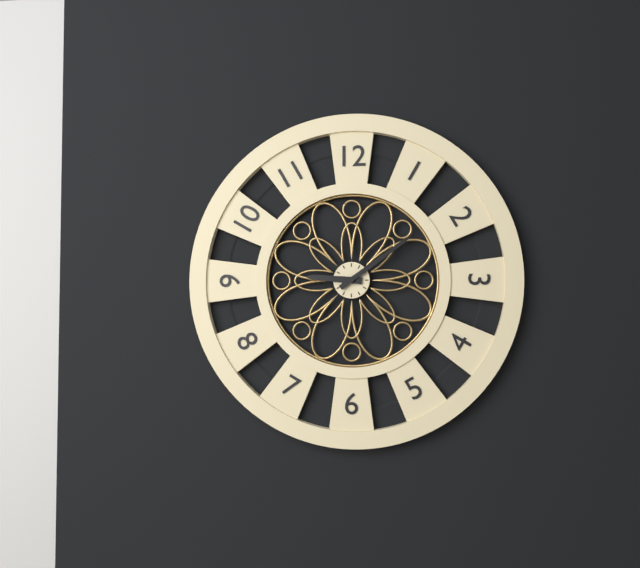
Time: {"hour": 9, "minute": 9}
